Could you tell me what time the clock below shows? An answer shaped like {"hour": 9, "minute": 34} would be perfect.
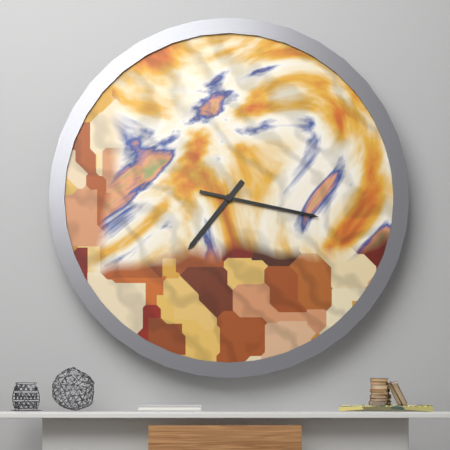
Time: {"hour": 7, "minute": 17}
